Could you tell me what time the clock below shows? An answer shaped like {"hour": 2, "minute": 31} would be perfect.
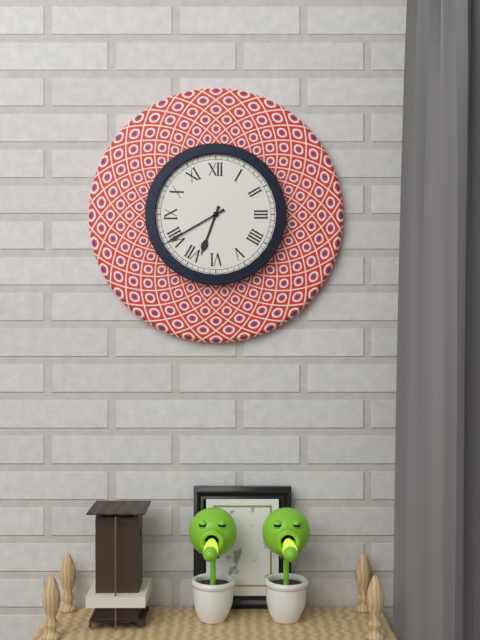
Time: {"hour": 6, "minute": 40}
